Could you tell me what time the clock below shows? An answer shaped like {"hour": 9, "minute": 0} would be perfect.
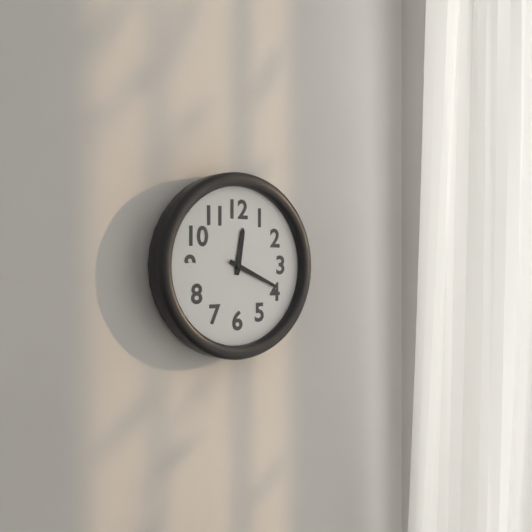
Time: {"hour": 12, "minute": 19}
